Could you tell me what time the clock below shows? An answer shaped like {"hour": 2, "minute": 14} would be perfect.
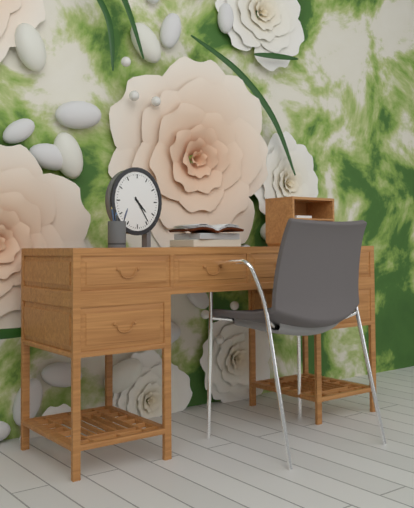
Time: {"hour": 4, "minute": 24}
